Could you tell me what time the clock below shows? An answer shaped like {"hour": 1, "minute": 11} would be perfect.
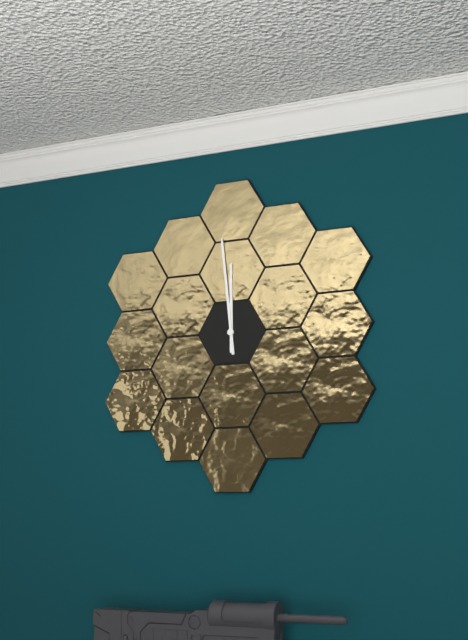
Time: {"hour": 11, "minute": 59}
